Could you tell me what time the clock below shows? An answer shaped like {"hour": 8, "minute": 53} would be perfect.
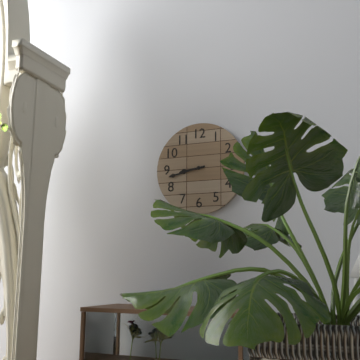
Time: {"hour": 8, "minute": 43}
